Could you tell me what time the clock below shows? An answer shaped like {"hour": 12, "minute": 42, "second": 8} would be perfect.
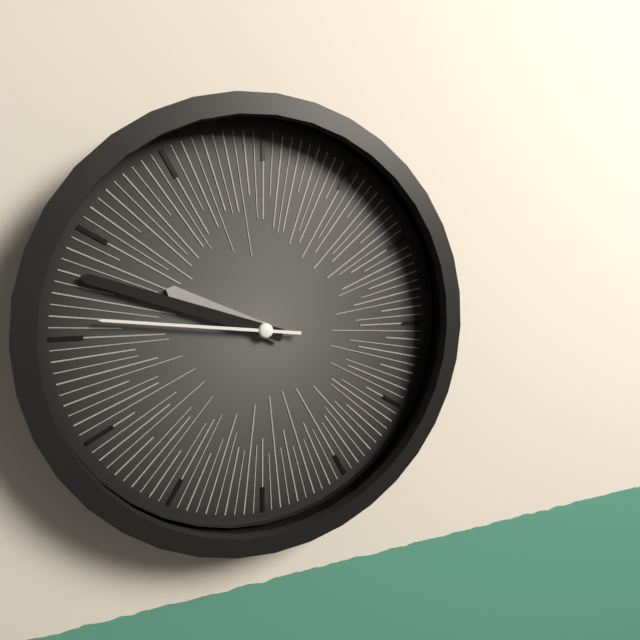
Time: {"hour": 9, "minute": 48, "second": 46}
